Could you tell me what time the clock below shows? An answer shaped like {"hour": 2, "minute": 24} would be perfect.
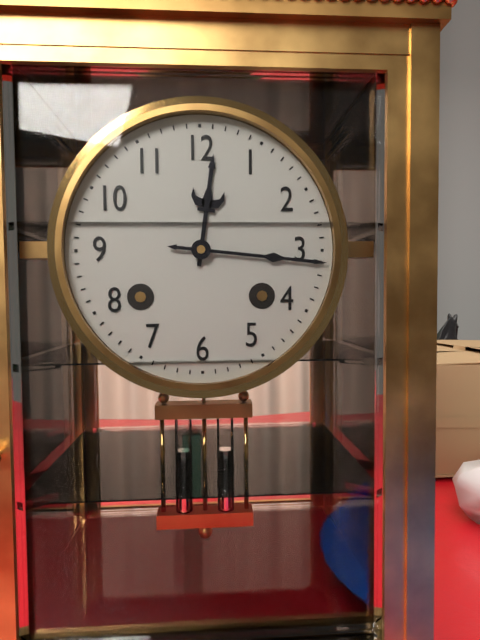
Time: {"hour": 12, "minute": 16}
